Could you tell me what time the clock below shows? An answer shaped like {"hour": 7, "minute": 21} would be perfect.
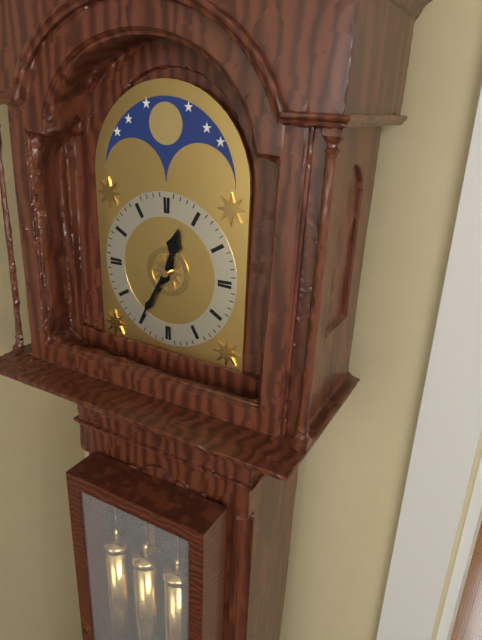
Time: {"hour": 12, "minute": 35}
